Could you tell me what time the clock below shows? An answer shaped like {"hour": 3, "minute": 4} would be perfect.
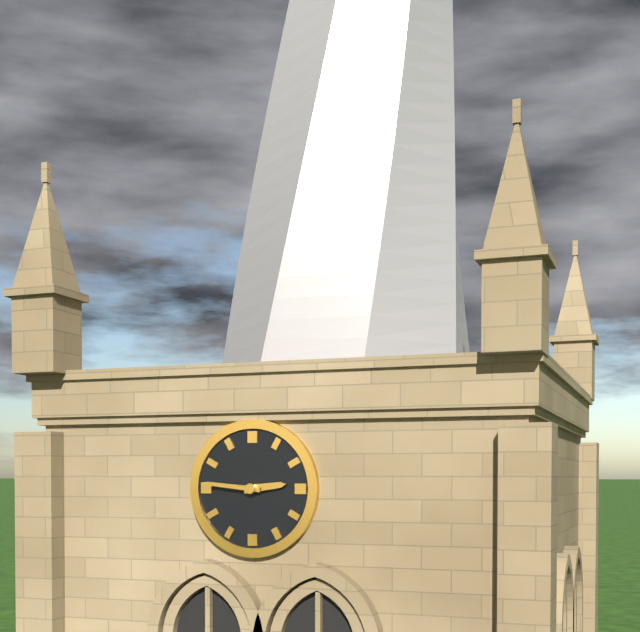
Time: {"hour": 2, "minute": 46}
